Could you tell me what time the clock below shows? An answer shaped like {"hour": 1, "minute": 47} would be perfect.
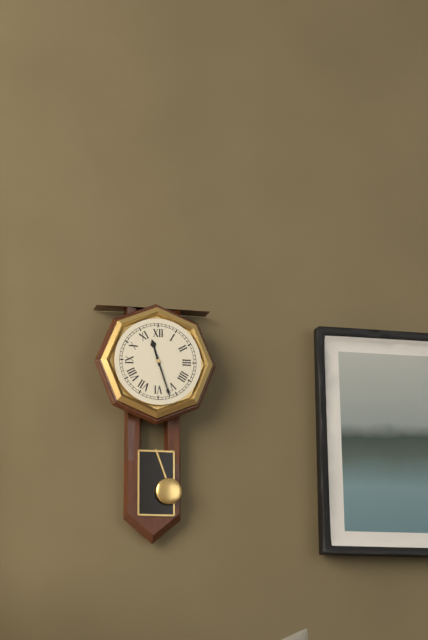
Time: {"hour": 11, "minute": 27}
